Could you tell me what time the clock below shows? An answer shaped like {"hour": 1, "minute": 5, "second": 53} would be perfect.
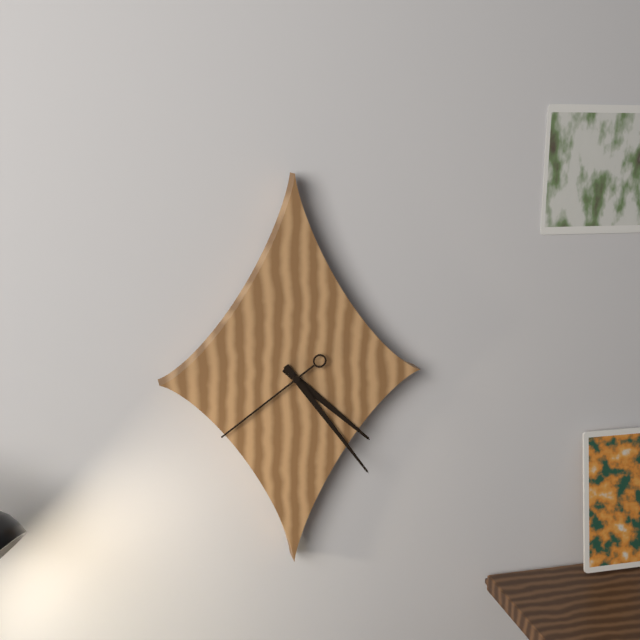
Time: {"hour": 4, "minute": 24, "second": 39}
